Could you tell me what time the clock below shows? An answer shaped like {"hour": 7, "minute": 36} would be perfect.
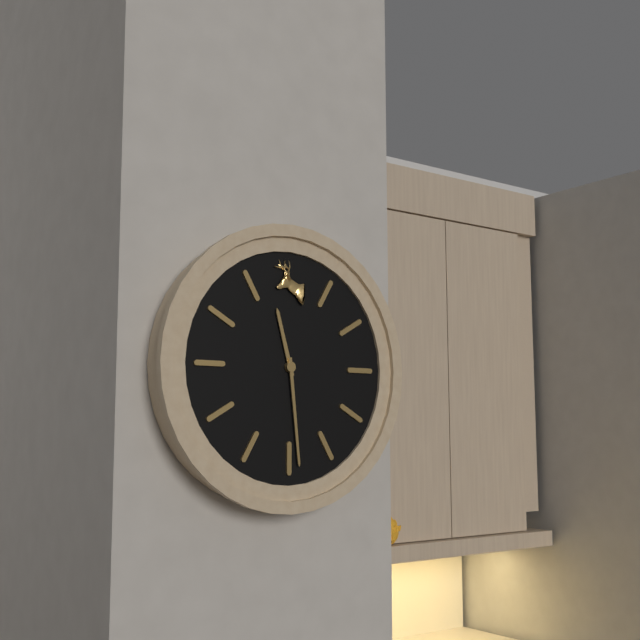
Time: {"hour": 11, "minute": 29}
